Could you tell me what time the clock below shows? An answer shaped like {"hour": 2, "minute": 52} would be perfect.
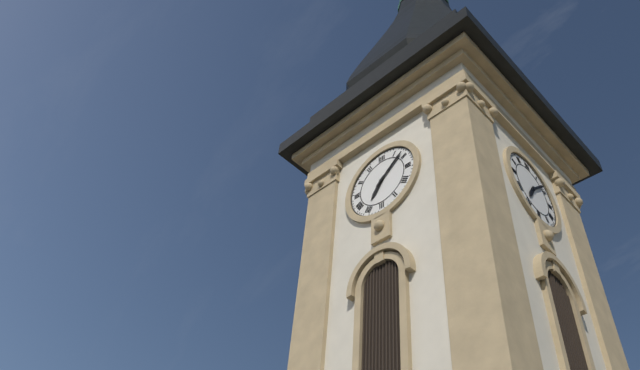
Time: {"hour": 7, "minute": 8}
